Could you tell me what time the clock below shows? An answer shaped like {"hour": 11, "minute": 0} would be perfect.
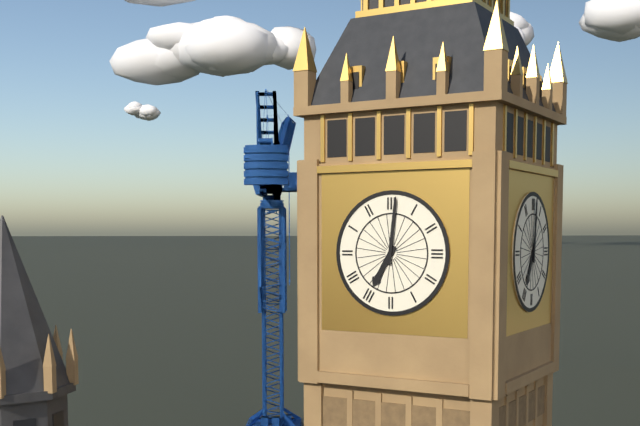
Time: {"hour": 7, "minute": 1}
